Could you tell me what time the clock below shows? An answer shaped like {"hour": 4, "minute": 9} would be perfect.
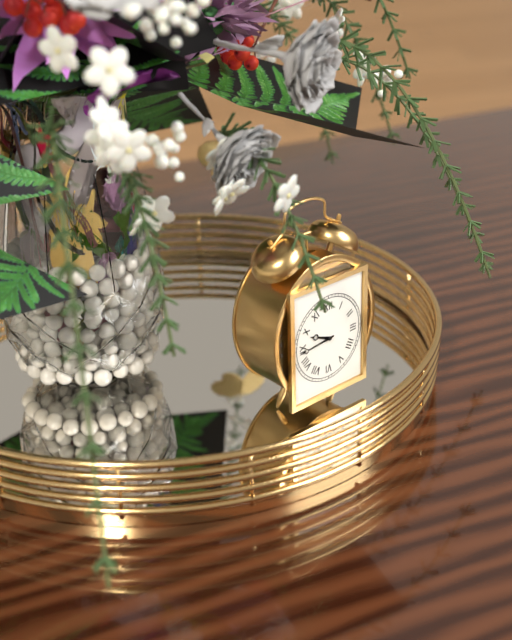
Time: {"hour": 9, "minute": 44}
